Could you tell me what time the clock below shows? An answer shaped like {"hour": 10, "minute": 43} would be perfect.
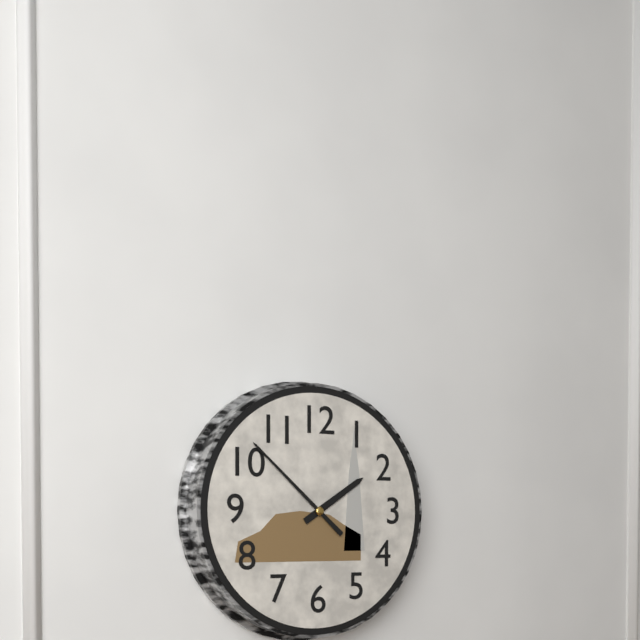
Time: {"hour": 1, "minute": 52}
